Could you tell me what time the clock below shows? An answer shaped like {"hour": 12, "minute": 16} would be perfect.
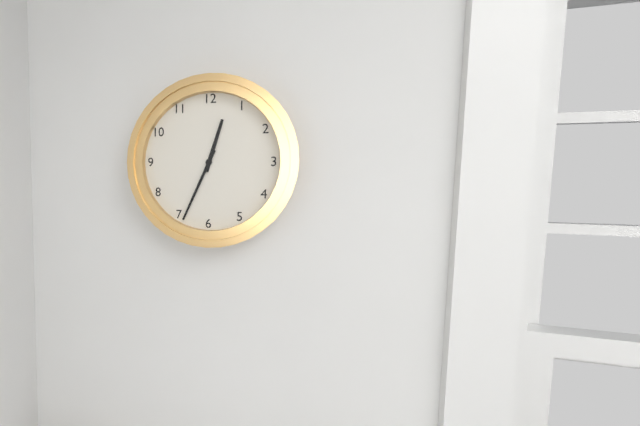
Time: {"hour": 12, "minute": 34}
